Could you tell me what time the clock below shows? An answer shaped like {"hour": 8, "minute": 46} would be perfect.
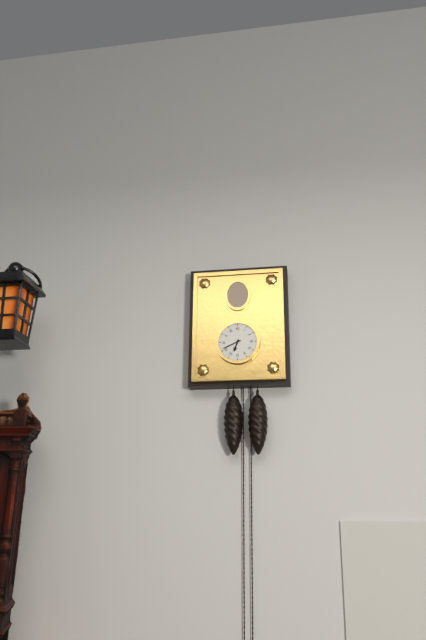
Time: {"hour": 6, "minute": 41}
